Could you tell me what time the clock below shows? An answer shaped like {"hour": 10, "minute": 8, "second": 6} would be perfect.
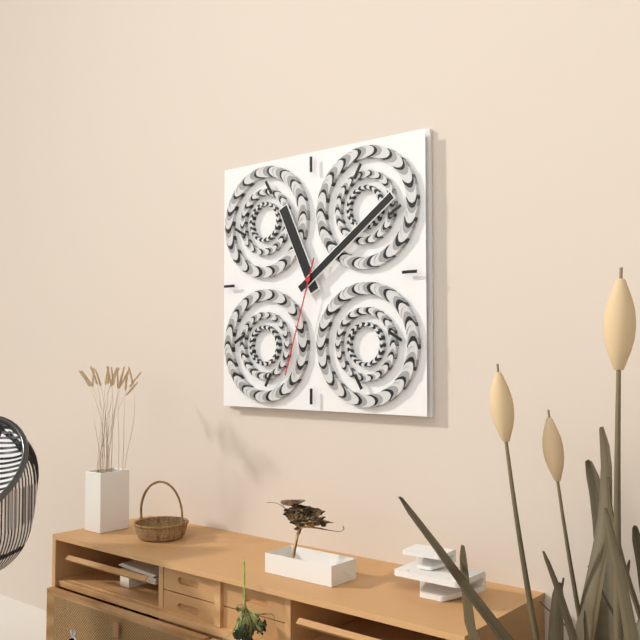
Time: {"hour": 11, "minute": 9, "second": 33}
